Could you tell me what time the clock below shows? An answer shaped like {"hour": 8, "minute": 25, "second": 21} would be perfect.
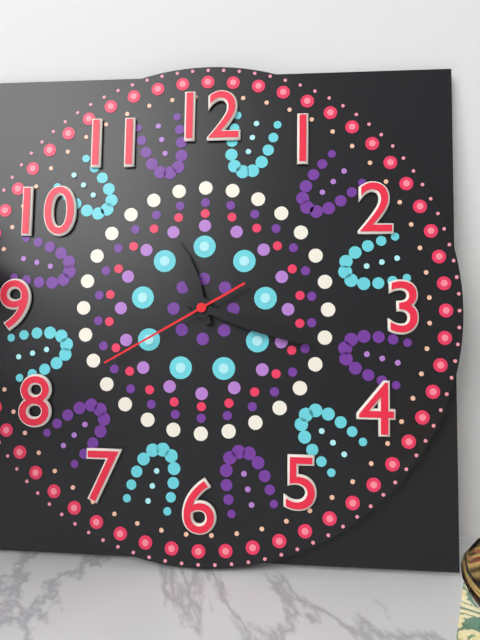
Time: {"hour": 11, "minute": 18, "second": 40}
